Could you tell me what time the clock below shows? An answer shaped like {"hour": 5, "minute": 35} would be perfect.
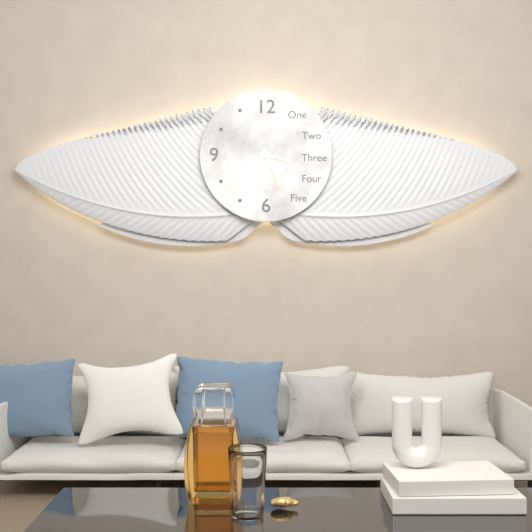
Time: {"hour": 3, "minute": 26}
